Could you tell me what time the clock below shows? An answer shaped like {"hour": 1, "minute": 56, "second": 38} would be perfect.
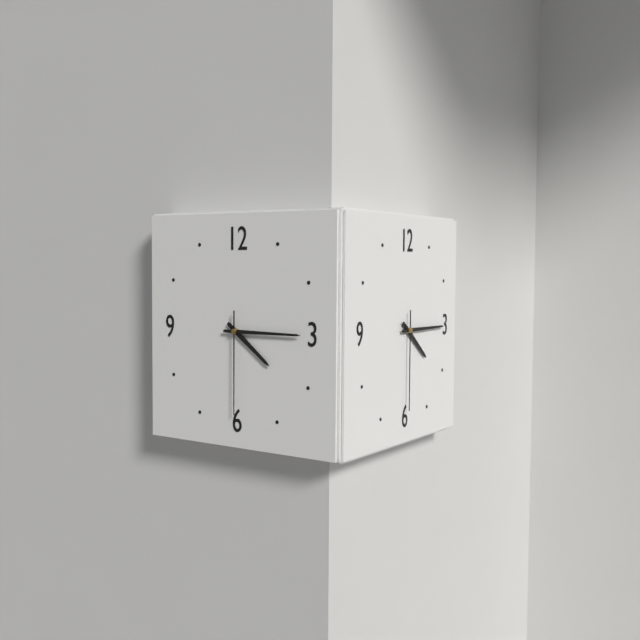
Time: {"hour": 4, "minute": 15, "second": 30}
